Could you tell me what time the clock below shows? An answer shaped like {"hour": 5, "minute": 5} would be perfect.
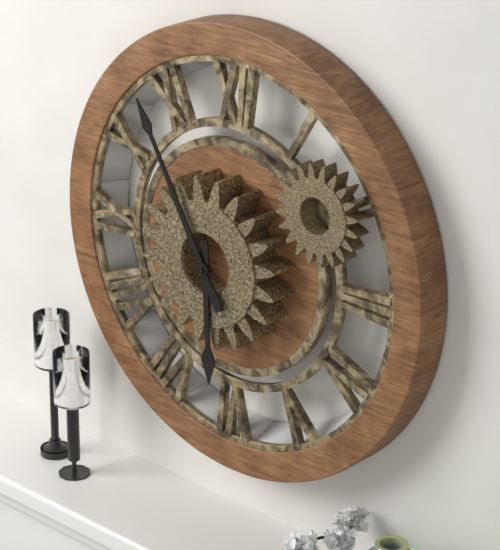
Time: {"hour": 5, "minute": 55}
